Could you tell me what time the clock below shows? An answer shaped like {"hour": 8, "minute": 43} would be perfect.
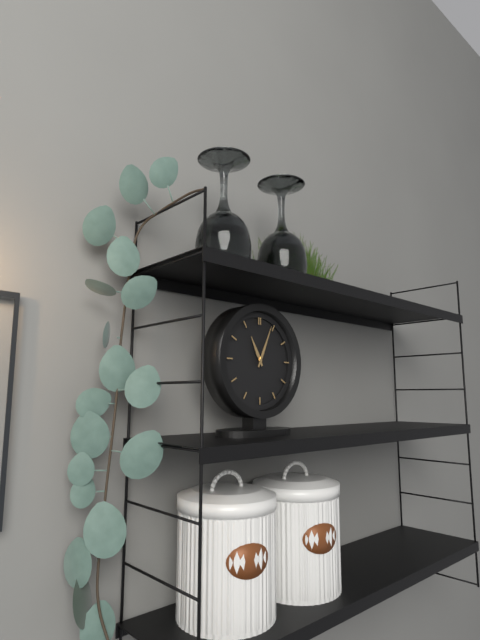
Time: {"hour": 11, "minute": 4}
